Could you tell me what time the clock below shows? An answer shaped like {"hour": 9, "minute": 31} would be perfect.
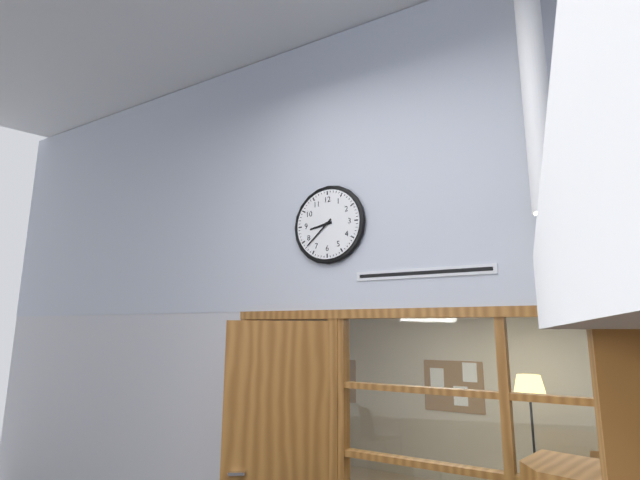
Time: {"hour": 8, "minute": 38}
